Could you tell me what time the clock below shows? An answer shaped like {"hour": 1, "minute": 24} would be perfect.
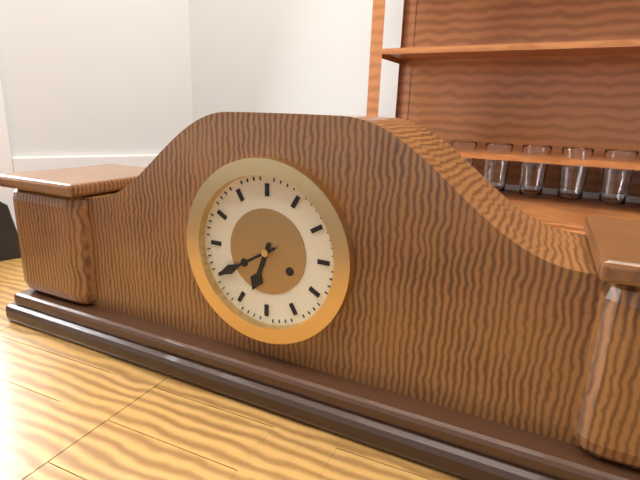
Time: {"hour": 6, "minute": 40}
